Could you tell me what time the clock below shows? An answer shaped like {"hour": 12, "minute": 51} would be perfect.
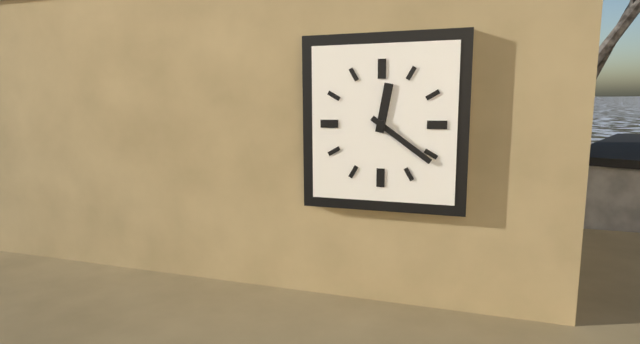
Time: {"hour": 12, "minute": 21}
